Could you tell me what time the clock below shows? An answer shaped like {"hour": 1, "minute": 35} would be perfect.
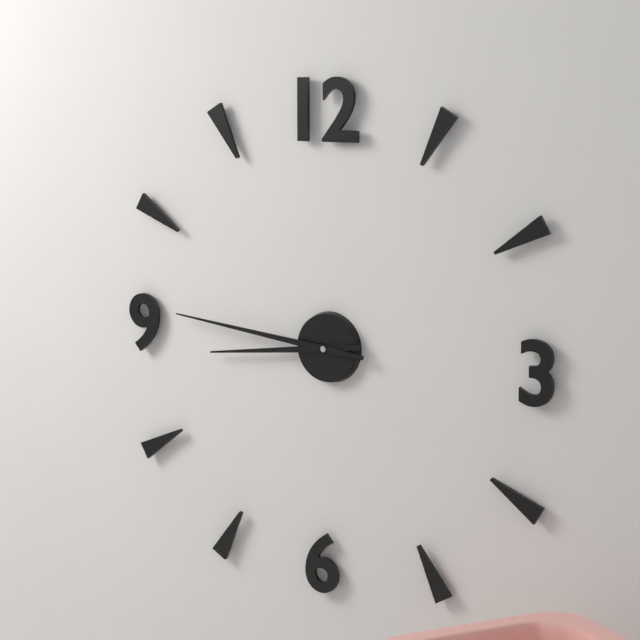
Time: {"hour": 8, "minute": 46}
